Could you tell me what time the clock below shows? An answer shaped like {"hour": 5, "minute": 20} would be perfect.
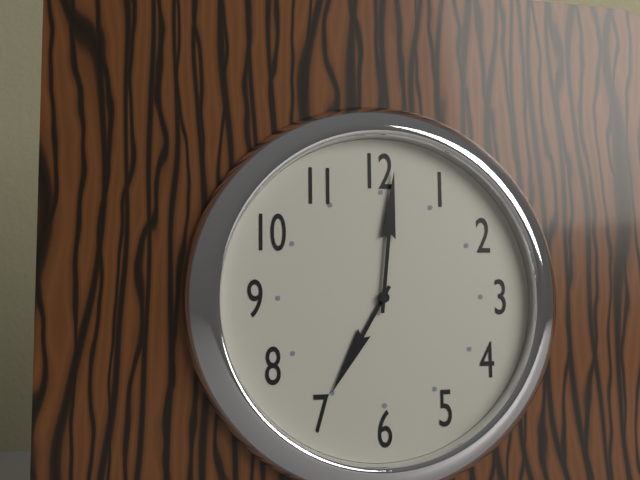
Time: {"hour": 7, "minute": 1}
